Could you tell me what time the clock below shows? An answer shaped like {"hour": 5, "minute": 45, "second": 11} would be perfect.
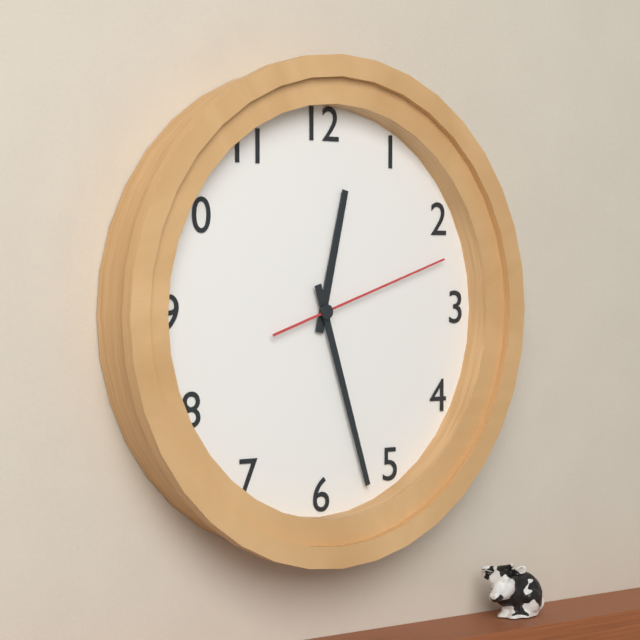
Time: {"hour": 12, "minute": 27, "second": 12}
